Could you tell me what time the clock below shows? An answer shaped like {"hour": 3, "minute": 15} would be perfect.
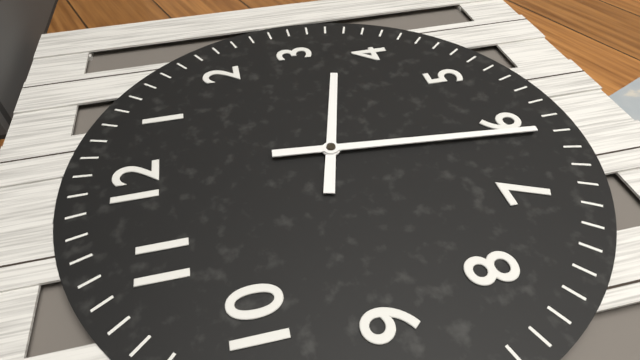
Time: {"hour": 3, "minute": 31}
